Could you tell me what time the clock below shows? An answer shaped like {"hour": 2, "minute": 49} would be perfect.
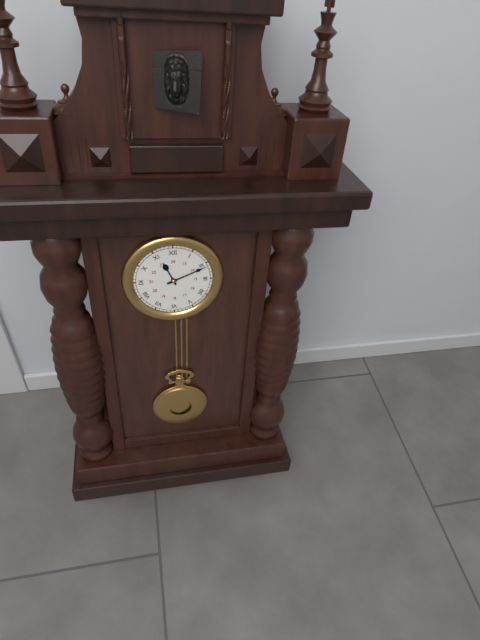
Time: {"hour": 11, "minute": 11}
